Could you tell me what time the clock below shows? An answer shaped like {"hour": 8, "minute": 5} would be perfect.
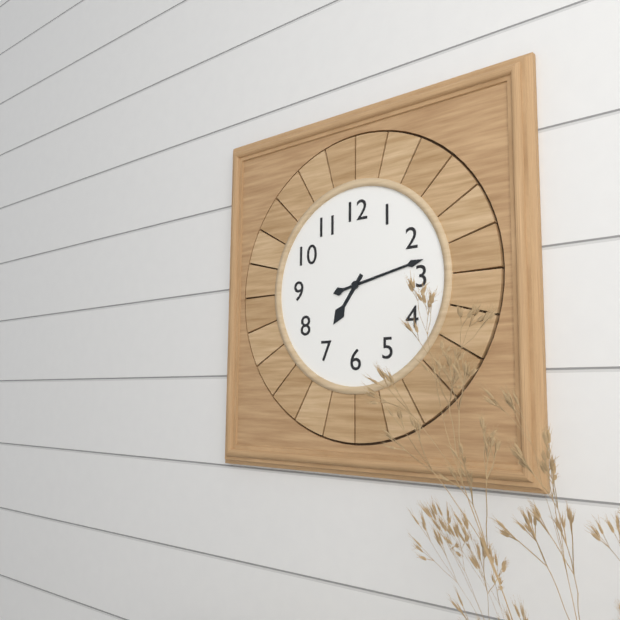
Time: {"hour": 7, "minute": 13}
